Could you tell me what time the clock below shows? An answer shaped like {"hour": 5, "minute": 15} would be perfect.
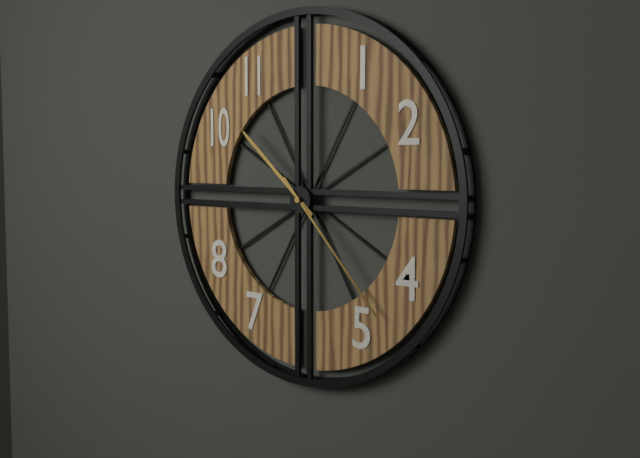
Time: {"hour": 10, "minute": 23}
